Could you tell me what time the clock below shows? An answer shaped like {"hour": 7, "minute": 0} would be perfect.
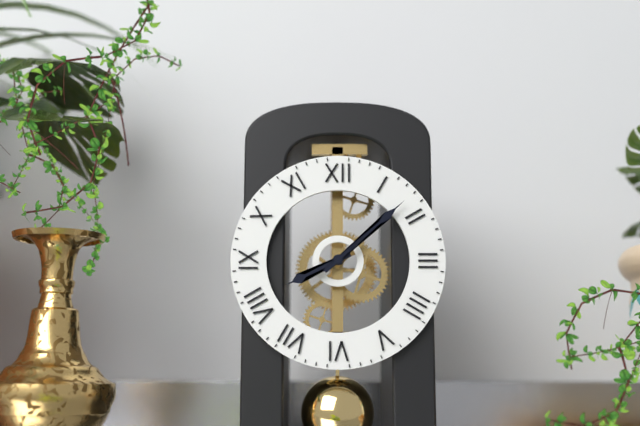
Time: {"hour": 8, "minute": 8}
